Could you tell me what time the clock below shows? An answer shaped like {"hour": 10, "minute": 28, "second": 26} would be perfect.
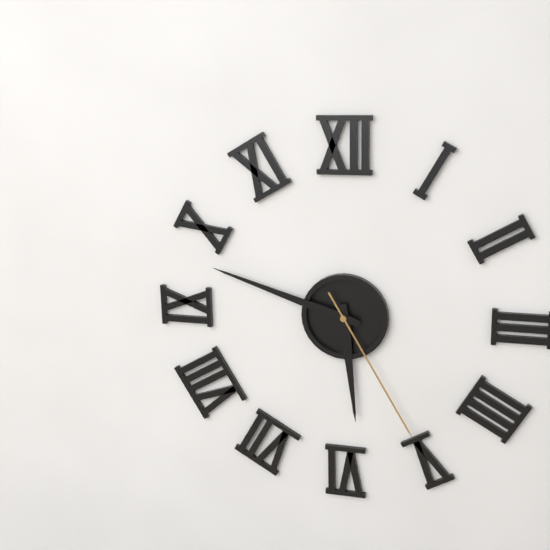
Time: {"hour": 5, "minute": 48, "second": 25}
